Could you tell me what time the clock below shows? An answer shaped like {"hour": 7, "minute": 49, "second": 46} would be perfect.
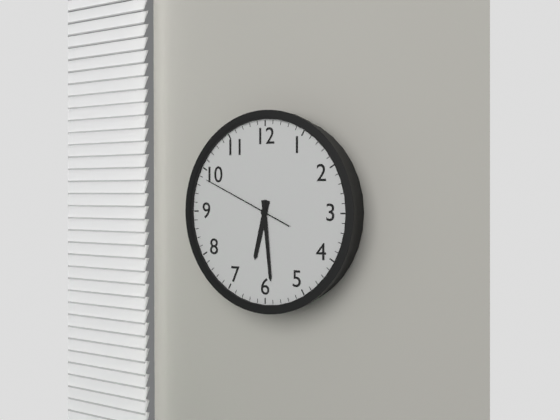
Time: {"hour": 6, "minute": 29, "second": 49}
